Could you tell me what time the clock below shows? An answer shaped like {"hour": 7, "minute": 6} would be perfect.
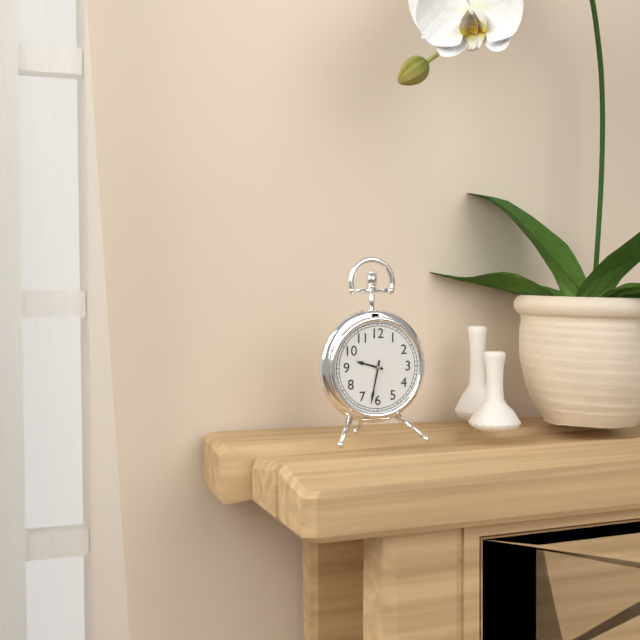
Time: {"hour": 9, "minute": 32}
